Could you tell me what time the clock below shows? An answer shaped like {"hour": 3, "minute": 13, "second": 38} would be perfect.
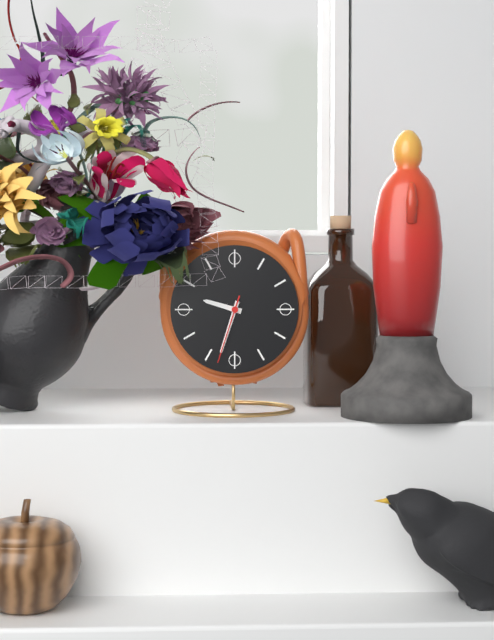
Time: {"hour": 9, "minute": 33, "second": 33}
